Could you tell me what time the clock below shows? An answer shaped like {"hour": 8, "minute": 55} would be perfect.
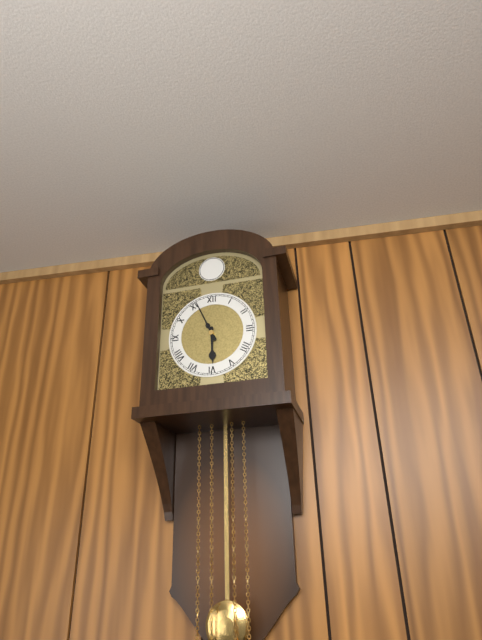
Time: {"hour": 5, "minute": 56}
